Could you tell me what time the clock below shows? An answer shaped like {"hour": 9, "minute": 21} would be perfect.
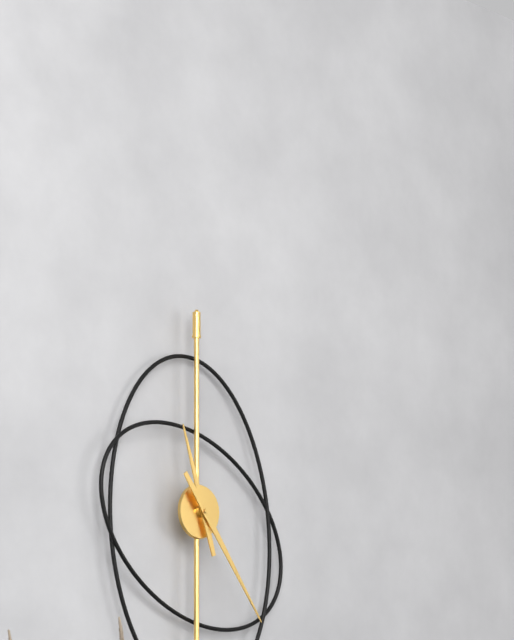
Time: {"hour": 11, "minute": 24}
